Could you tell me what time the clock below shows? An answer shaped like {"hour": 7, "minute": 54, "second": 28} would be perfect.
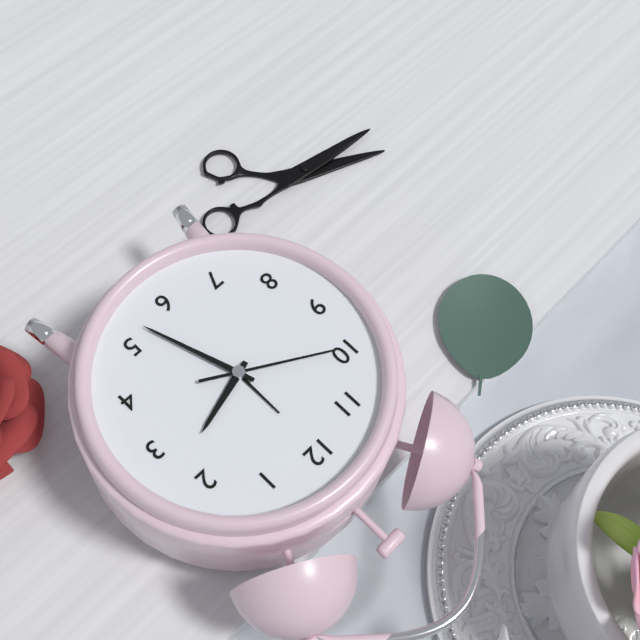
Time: {"hour": 2, "minute": 27, "second": 50}
